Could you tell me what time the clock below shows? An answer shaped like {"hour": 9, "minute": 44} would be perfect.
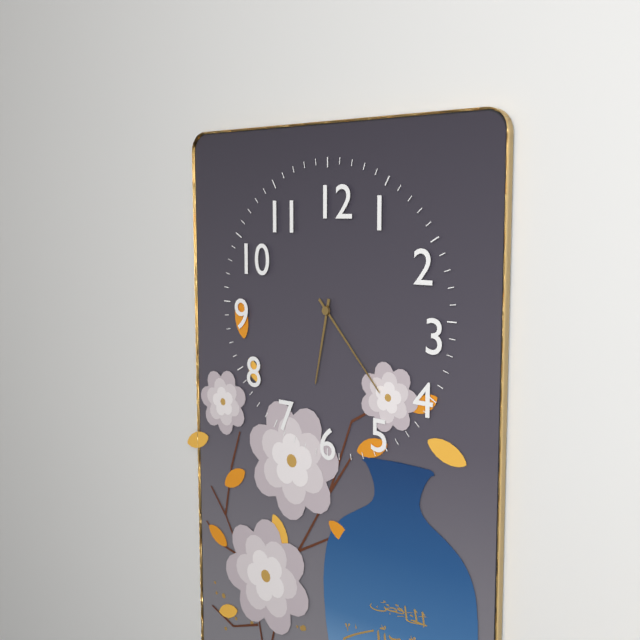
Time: {"hour": 6, "minute": 23}
